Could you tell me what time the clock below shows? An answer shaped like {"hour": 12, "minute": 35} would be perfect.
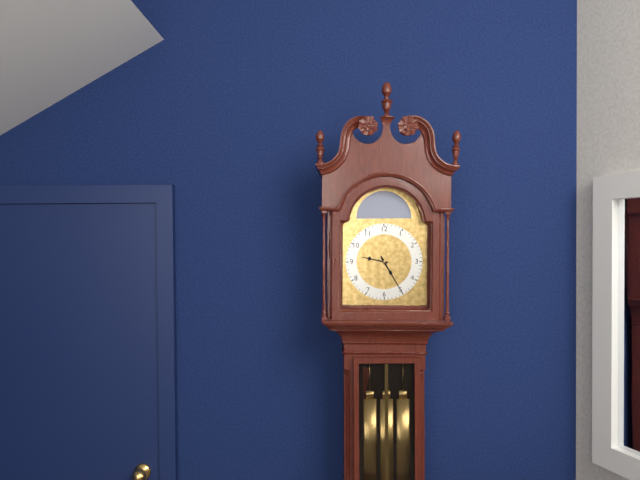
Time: {"hour": 9, "minute": 25}
